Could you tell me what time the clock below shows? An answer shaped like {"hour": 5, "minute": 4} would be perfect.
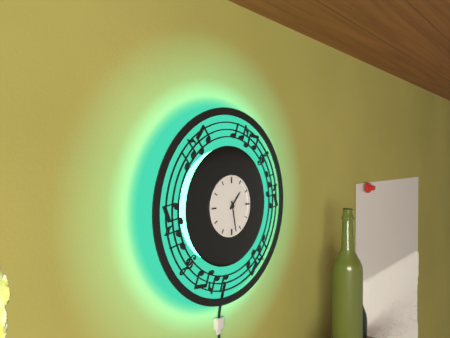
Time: {"hour": 1, "minute": 28}
